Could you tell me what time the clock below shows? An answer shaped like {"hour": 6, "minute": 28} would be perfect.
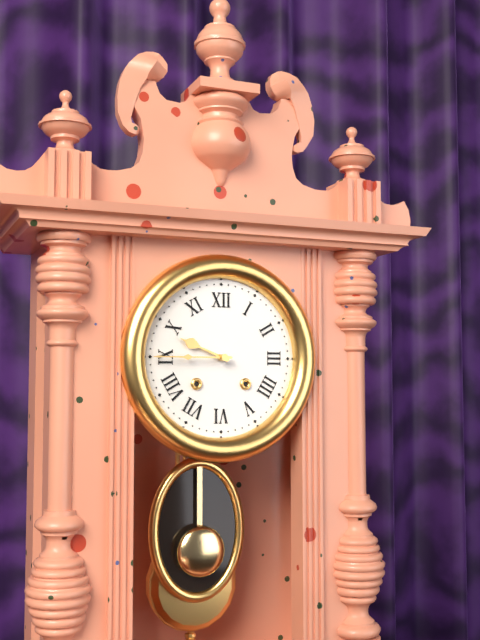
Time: {"hour": 9, "minute": 45}
